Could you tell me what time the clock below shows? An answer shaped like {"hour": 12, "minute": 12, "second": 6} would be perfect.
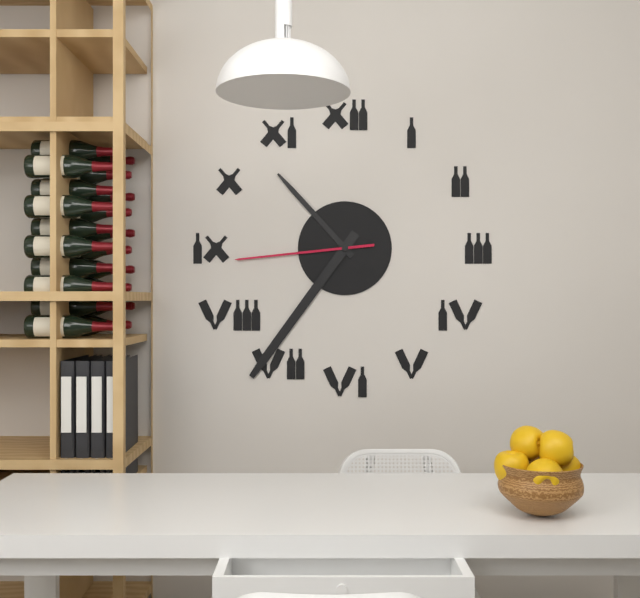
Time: {"hour": 10, "minute": 36, "second": 44}
